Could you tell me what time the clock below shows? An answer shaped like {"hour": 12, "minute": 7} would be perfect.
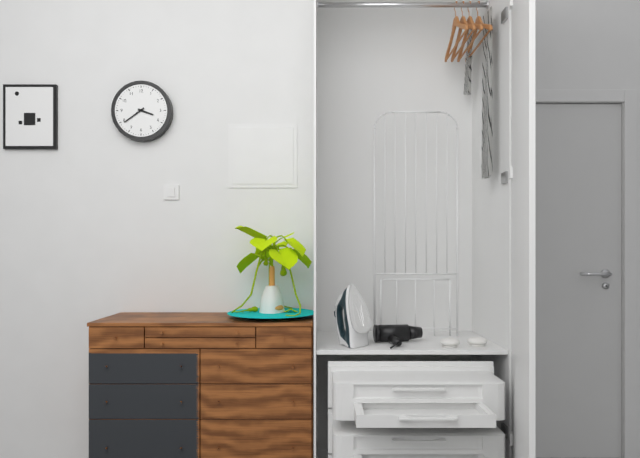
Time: {"hour": 3, "minute": 39}
